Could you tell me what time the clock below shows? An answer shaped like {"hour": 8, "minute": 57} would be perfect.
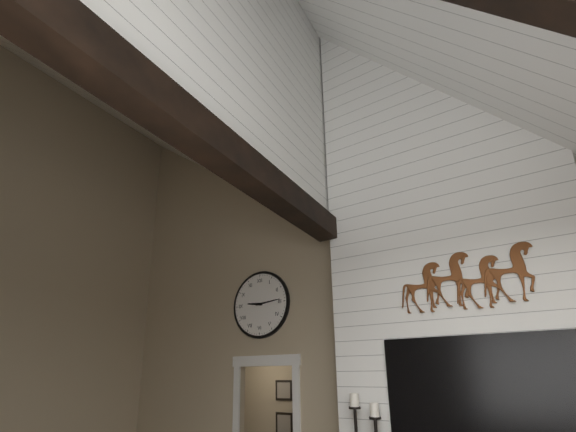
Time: {"hour": 9, "minute": 14}
